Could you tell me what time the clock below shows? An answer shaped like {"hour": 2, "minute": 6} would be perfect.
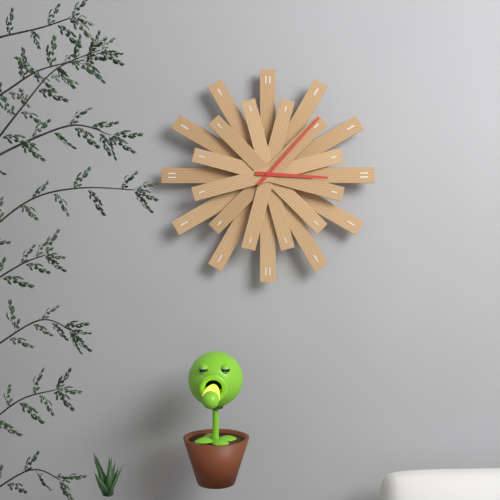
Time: {"hour": 3, "minute": 7}
